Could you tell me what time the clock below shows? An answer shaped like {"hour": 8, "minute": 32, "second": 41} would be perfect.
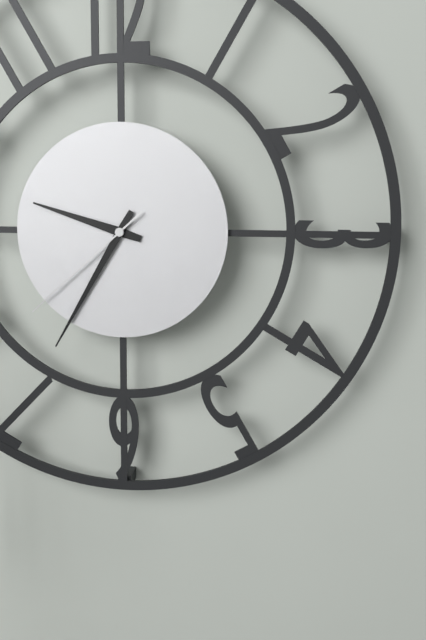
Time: {"hour": 9, "minute": 35, "second": 38}
